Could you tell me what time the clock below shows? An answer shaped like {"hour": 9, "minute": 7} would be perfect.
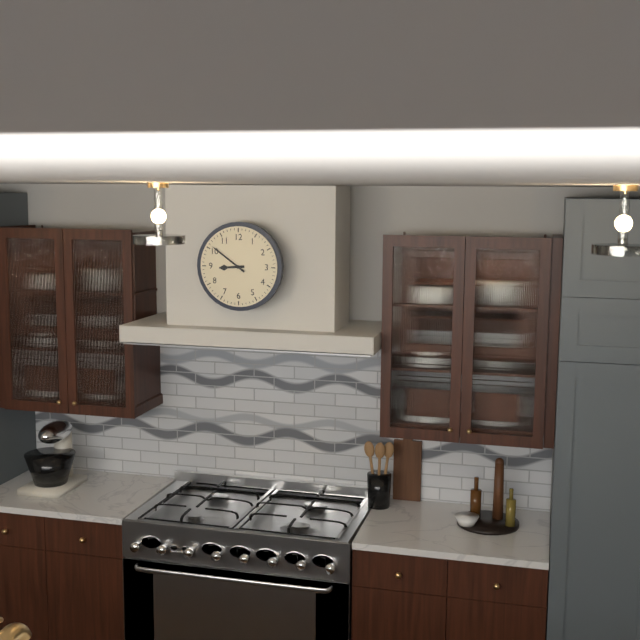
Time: {"hour": 8, "minute": 51}
